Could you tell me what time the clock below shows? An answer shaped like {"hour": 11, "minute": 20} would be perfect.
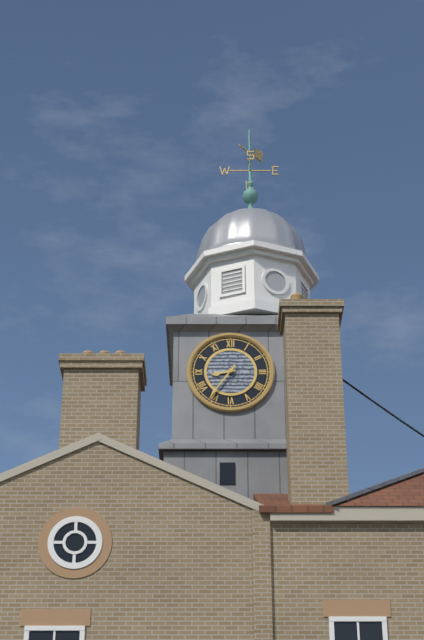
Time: {"hour": 8, "minute": 36}
